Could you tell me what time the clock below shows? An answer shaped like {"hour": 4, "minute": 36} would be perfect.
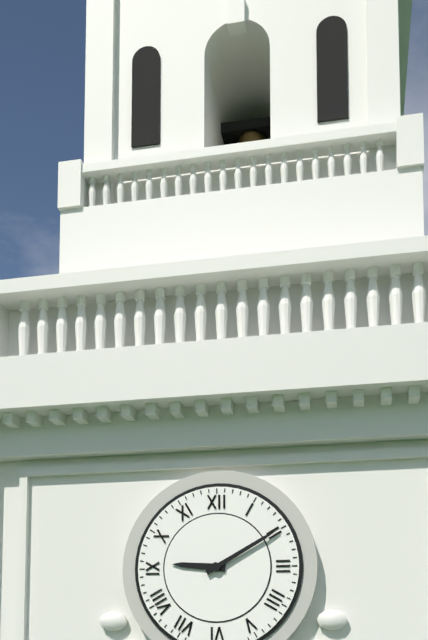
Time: {"hour": 9, "minute": 10}
